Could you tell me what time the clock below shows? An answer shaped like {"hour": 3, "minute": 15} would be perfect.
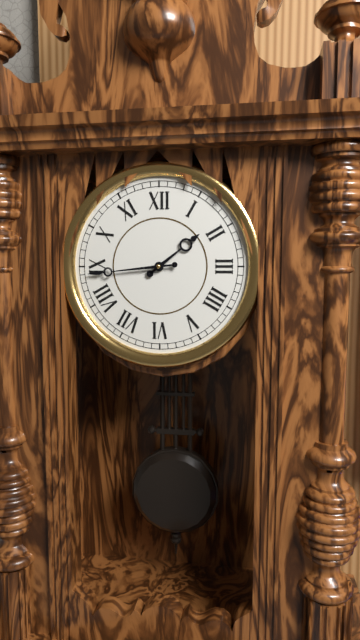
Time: {"hour": 1, "minute": 44}
